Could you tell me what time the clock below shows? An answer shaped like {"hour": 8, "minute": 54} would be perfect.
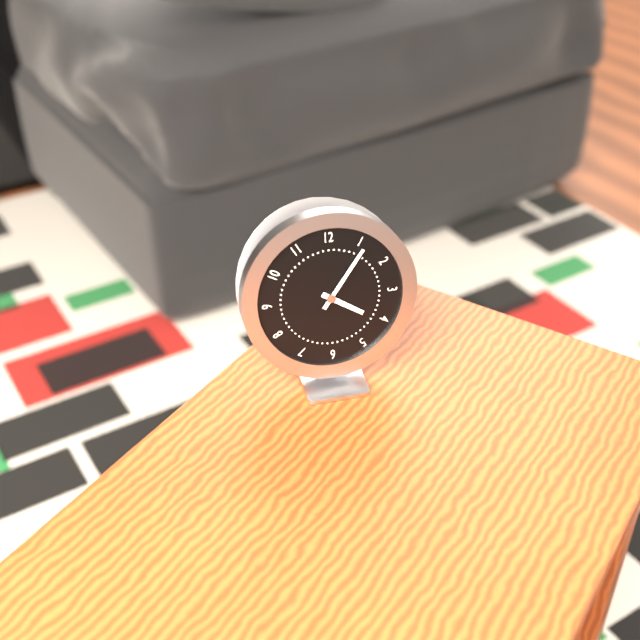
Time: {"hour": 4, "minute": 6}
